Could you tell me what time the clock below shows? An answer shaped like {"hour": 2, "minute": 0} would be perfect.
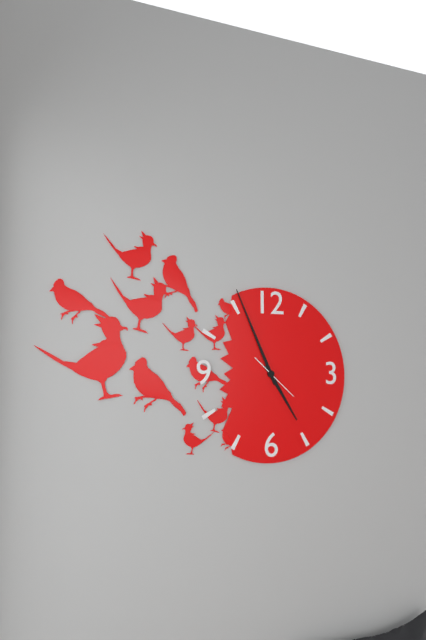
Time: {"hour": 4, "minute": 56}
